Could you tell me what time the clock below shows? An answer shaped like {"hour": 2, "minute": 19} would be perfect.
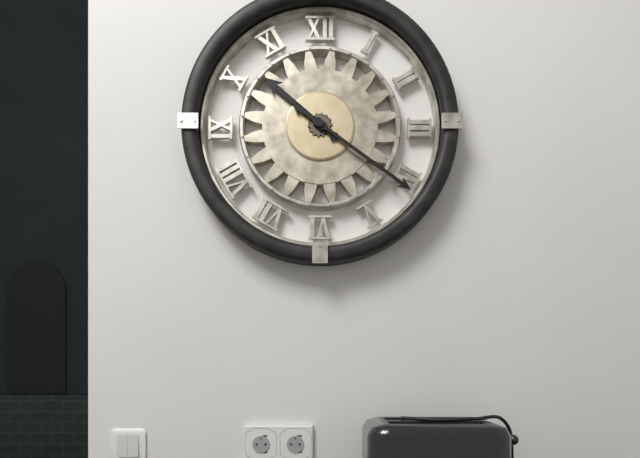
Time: {"hour": 10, "minute": 21}
